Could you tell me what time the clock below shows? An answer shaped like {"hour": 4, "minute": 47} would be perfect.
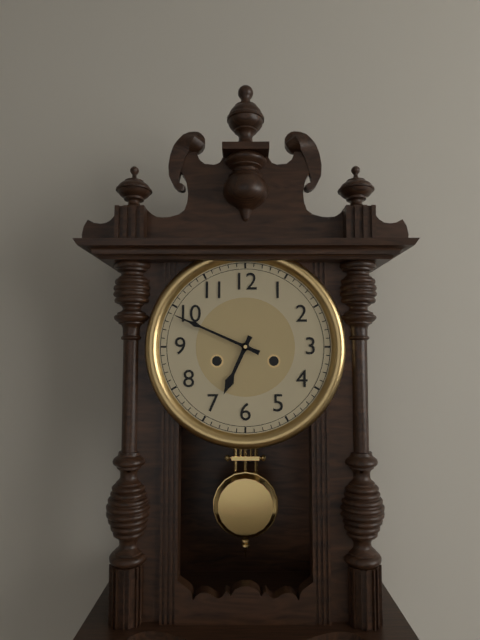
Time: {"hour": 6, "minute": 49}
